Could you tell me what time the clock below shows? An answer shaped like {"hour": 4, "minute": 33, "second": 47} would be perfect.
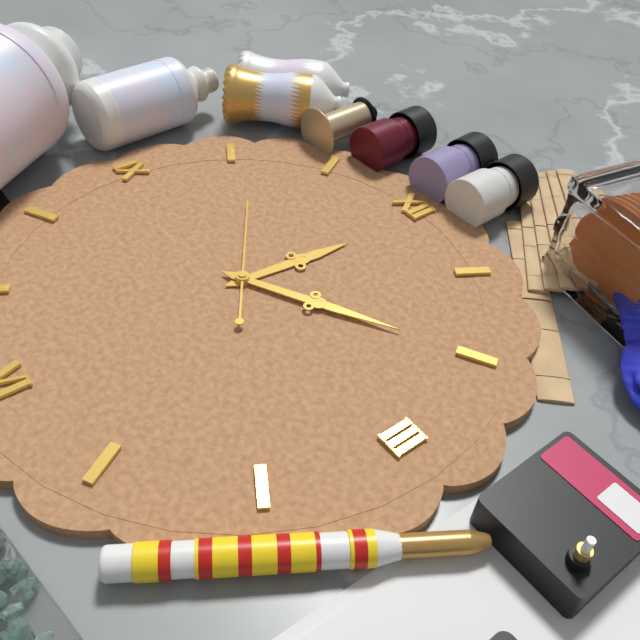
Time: {"hour": 12, "minute": 10, "second": 51}
